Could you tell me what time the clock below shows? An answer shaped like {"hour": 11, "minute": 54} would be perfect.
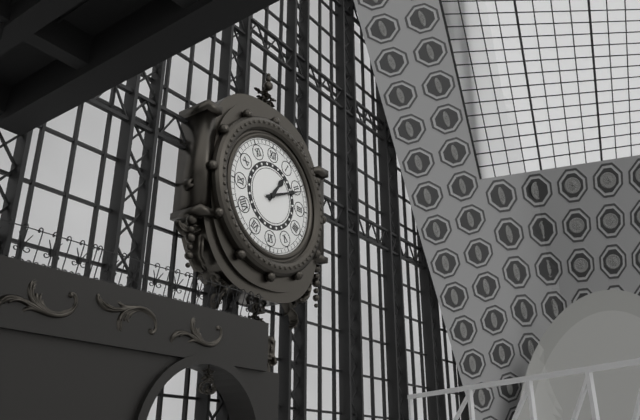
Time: {"hour": 1, "minute": 11}
